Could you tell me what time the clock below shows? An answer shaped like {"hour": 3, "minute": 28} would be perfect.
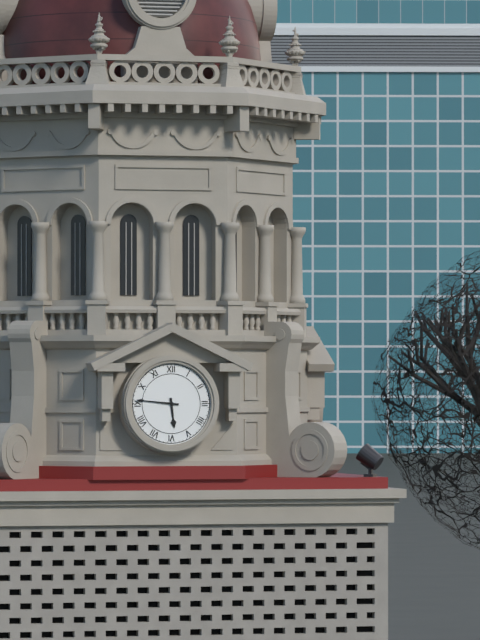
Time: {"hour": 5, "minute": 46}
